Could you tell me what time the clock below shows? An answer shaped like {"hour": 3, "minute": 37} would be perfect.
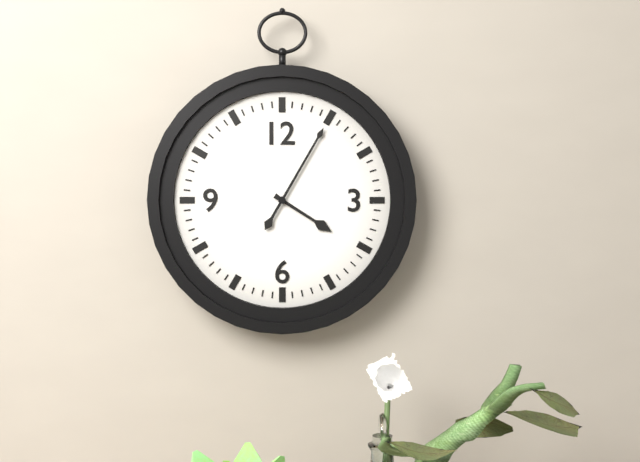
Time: {"hour": 4, "minute": 5}
